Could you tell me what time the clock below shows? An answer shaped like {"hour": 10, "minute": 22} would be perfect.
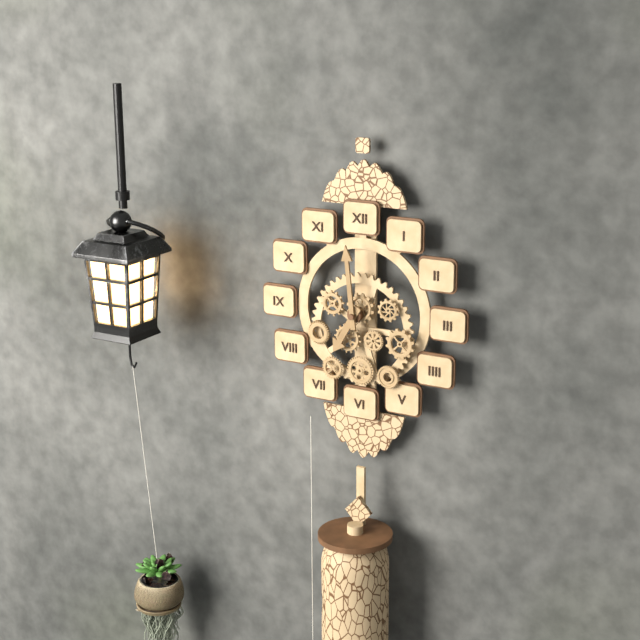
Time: {"hour": 6, "minute": 59}
